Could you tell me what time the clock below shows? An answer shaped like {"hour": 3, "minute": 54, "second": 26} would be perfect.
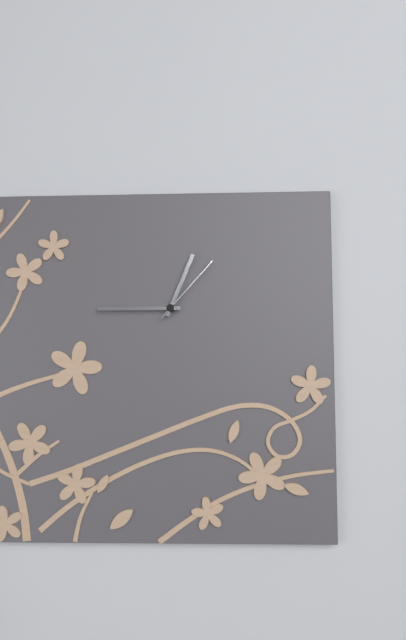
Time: {"hour": 12, "minute": 45, "second": 7}
